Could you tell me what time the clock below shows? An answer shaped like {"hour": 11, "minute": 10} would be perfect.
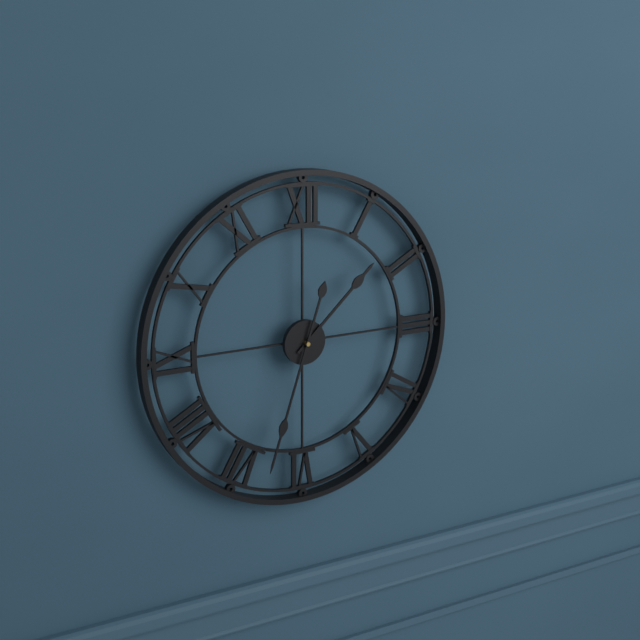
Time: {"hour": 1, "minute": 33}
